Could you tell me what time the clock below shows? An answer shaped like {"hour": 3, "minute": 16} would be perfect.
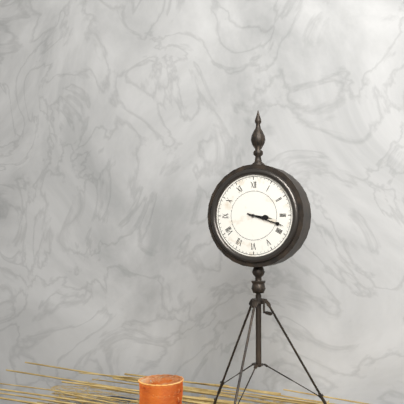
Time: {"hour": 3, "minute": 18}
